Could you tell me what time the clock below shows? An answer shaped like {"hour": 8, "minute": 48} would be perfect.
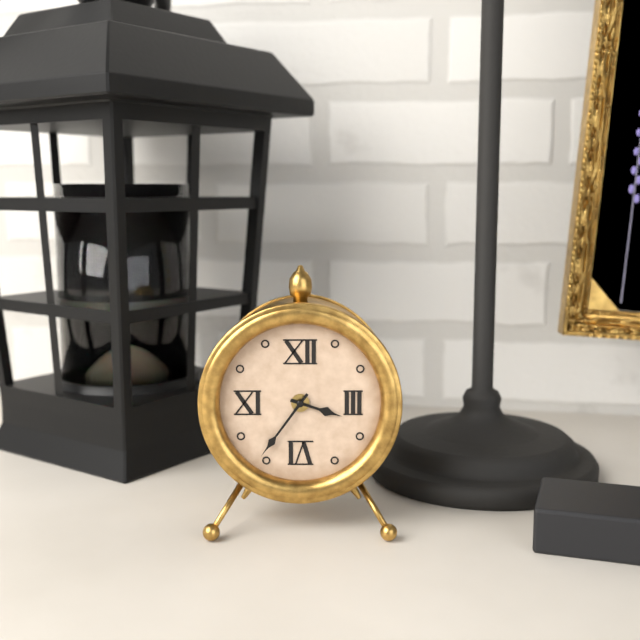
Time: {"hour": 3, "minute": 36}
